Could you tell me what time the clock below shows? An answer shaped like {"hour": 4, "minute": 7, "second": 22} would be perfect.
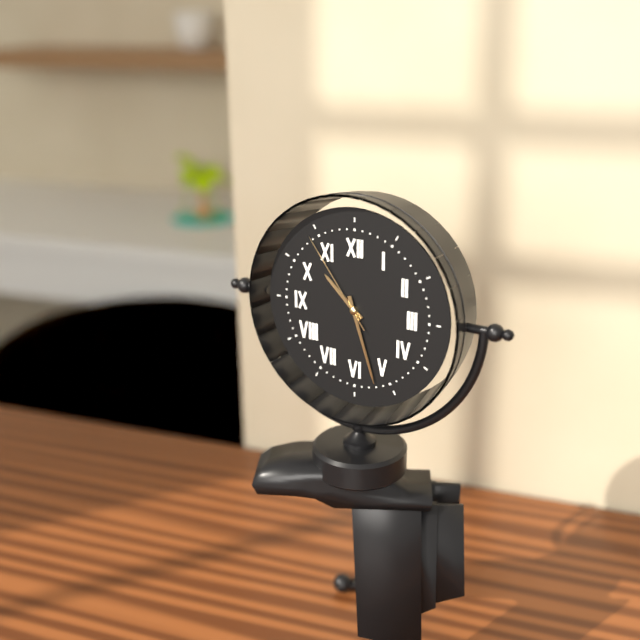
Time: {"hour": 10, "minute": 27, "second": 54}
